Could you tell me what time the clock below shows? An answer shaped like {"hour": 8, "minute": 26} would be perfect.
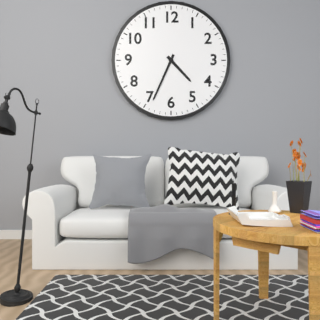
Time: {"hour": 4, "minute": 34}
